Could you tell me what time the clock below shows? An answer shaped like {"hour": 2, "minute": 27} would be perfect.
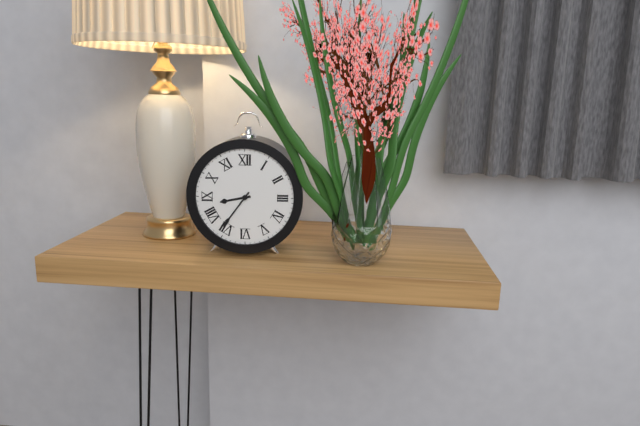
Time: {"hour": 8, "minute": 36}
